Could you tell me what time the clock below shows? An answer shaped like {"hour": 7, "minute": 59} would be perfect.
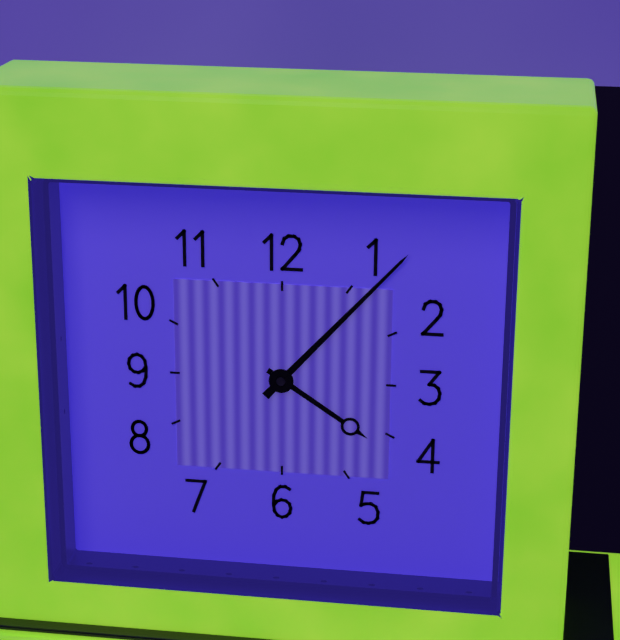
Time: {"hour": 4, "minute": 7}
